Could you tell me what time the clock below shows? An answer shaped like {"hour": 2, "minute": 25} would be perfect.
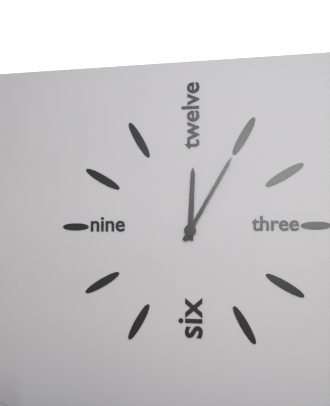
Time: {"hour": 12, "minute": 5}
